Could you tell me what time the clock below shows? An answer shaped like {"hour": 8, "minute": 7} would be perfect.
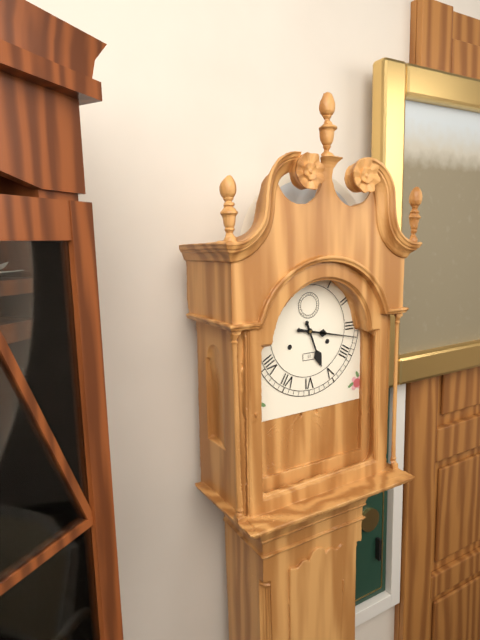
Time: {"hour": 5, "minute": 17}
